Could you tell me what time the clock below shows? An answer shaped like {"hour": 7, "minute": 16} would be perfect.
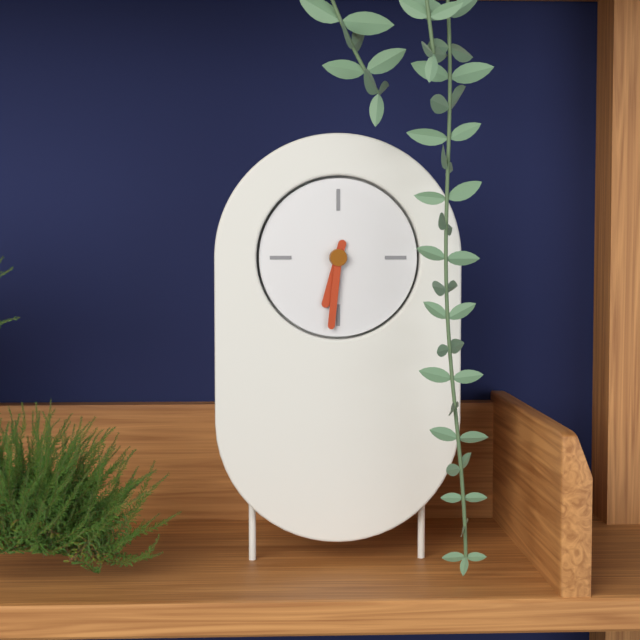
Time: {"hour": 6, "minute": 31}
